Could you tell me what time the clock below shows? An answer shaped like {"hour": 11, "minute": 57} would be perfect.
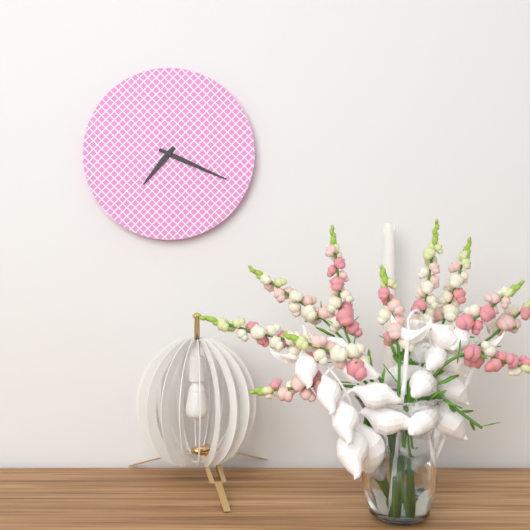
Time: {"hour": 7, "minute": 19}
